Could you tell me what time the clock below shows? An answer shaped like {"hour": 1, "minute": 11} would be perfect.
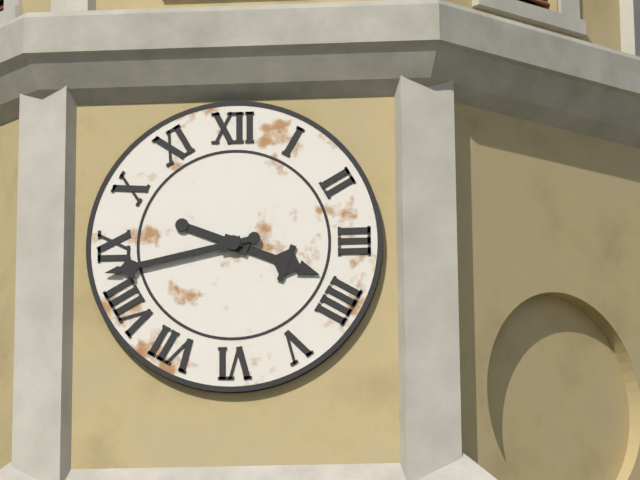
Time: {"hour": 3, "minute": 43}
